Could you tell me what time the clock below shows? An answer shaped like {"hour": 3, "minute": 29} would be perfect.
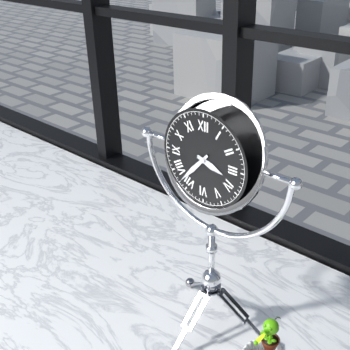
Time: {"hour": 3, "minute": 37}
